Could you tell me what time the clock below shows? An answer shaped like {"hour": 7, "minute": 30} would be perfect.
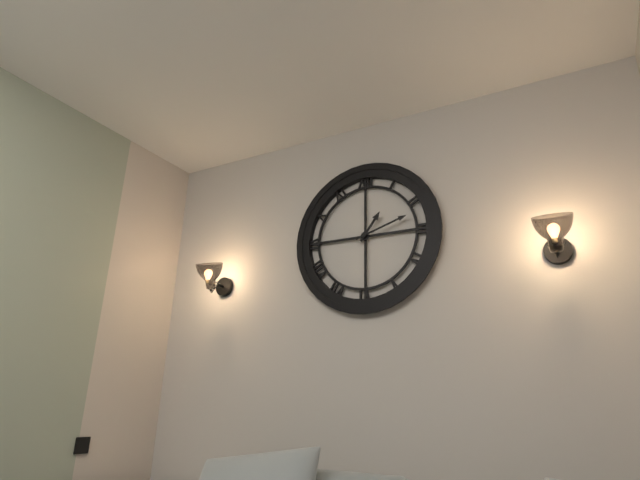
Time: {"hour": 1, "minute": 12}
